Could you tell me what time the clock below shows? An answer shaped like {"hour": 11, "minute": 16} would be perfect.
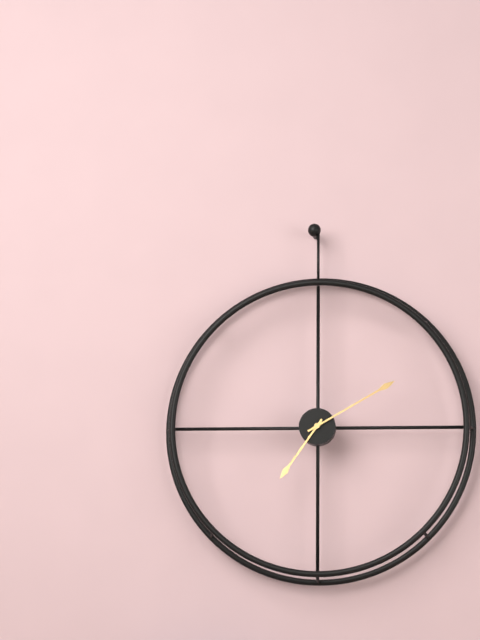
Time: {"hour": 7, "minute": 10}
